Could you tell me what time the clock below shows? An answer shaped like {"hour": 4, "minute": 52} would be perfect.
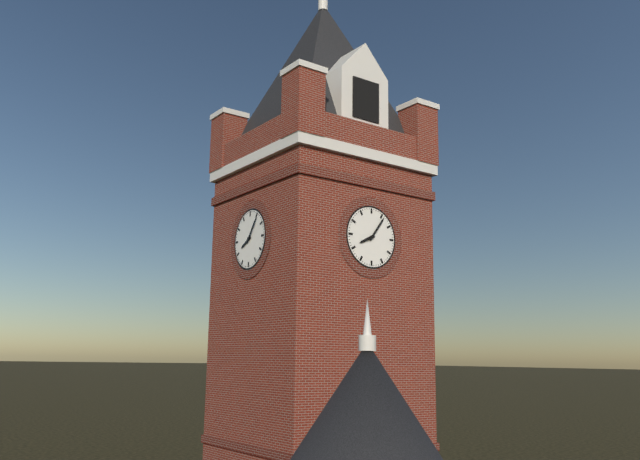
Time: {"hour": 8, "minute": 6}
